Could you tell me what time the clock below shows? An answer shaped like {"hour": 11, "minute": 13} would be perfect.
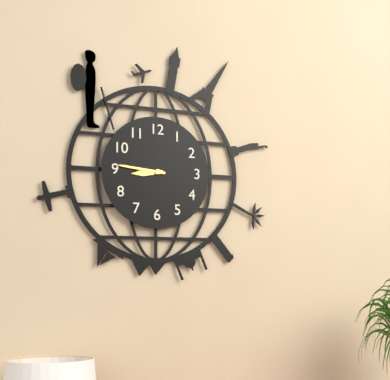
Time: {"hour": 8, "minute": 46}
